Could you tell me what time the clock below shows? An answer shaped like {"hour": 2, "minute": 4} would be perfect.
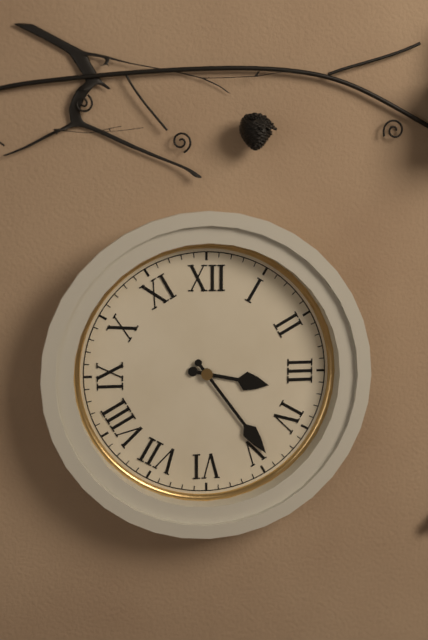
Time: {"hour": 3, "minute": 24}
